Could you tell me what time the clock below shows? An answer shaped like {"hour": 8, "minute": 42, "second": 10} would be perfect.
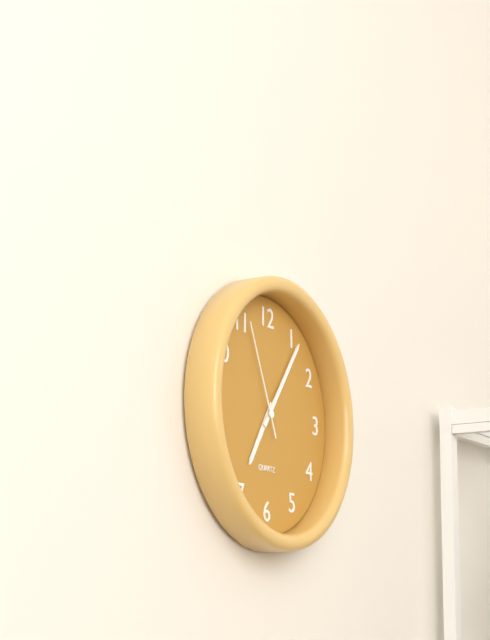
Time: {"hour": 7, "minute": 6, "second": 56}
